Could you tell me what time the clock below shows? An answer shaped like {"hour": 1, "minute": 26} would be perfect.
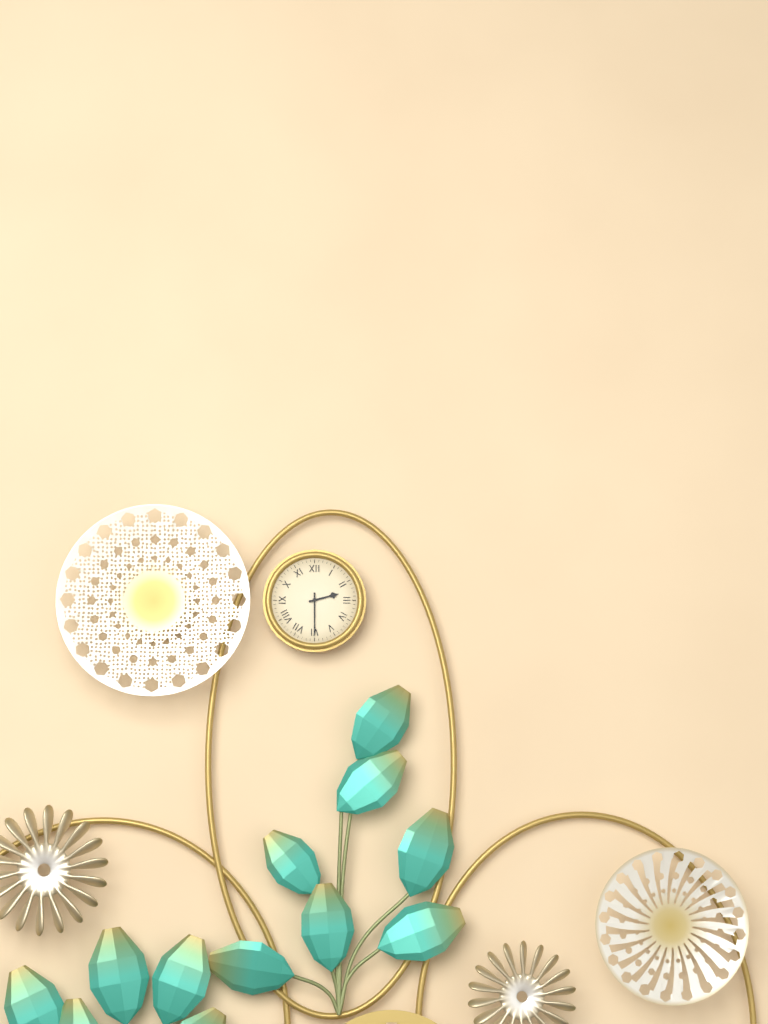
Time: {"hour": 2, "minute": 30}
